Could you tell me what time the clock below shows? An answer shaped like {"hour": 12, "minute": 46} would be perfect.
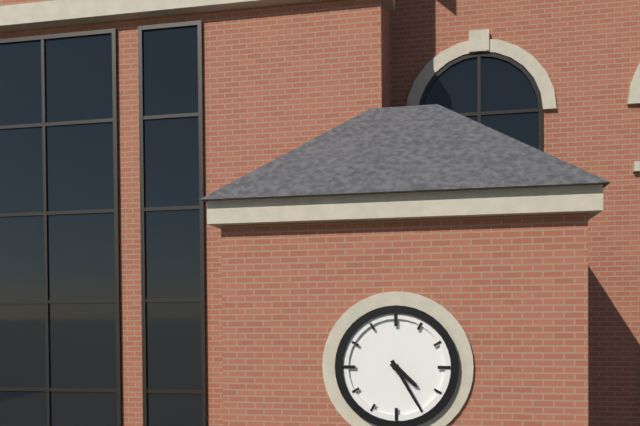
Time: {"hour": 4, "minute": 25}
